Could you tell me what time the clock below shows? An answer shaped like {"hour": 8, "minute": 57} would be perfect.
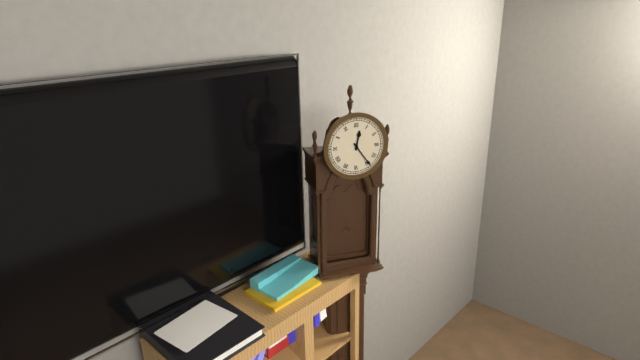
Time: {"hour": 12, "minute": 24}
